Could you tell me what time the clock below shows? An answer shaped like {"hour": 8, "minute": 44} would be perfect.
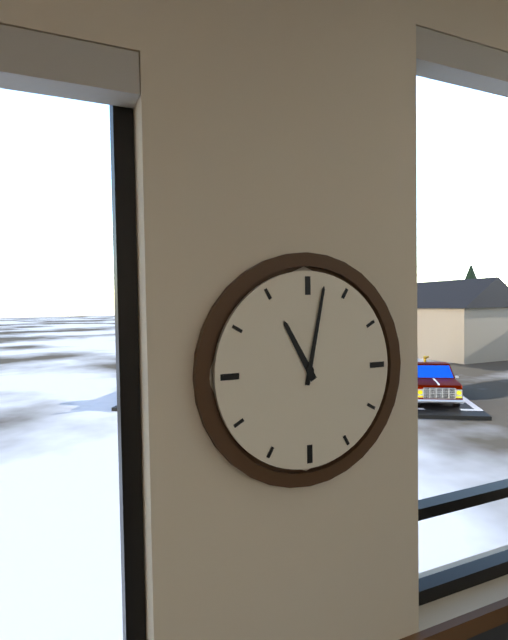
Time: {"hour": 11, "minute": 2}
